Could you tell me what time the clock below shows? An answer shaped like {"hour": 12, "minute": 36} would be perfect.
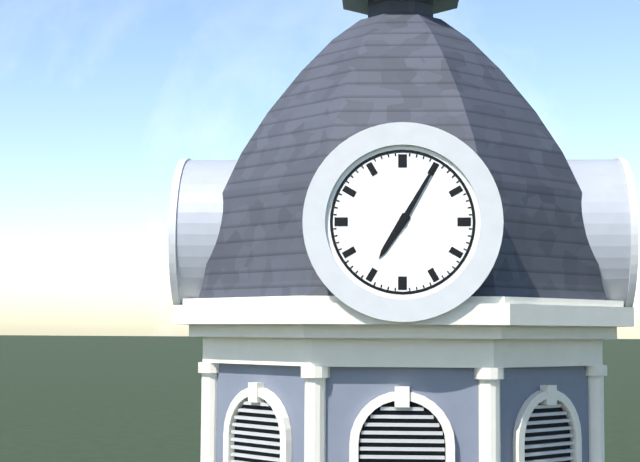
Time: {"hour": 7, "minute": 5}
